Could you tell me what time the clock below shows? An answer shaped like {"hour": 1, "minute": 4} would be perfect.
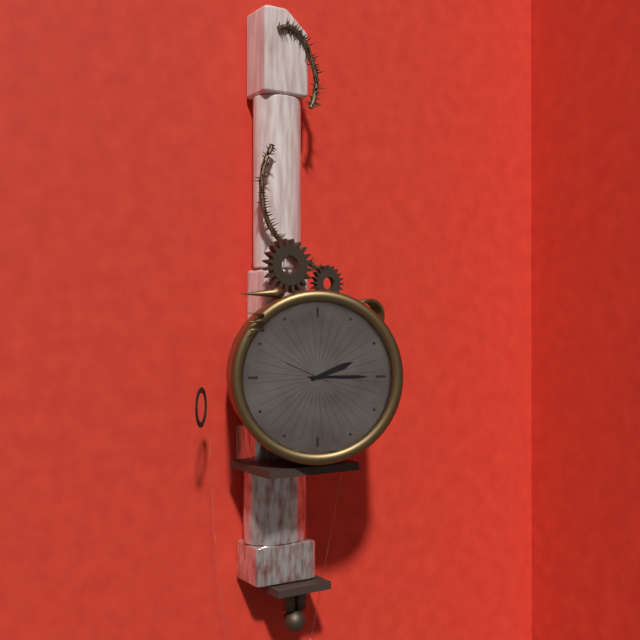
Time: {"hour": 2, "minute": 15}
